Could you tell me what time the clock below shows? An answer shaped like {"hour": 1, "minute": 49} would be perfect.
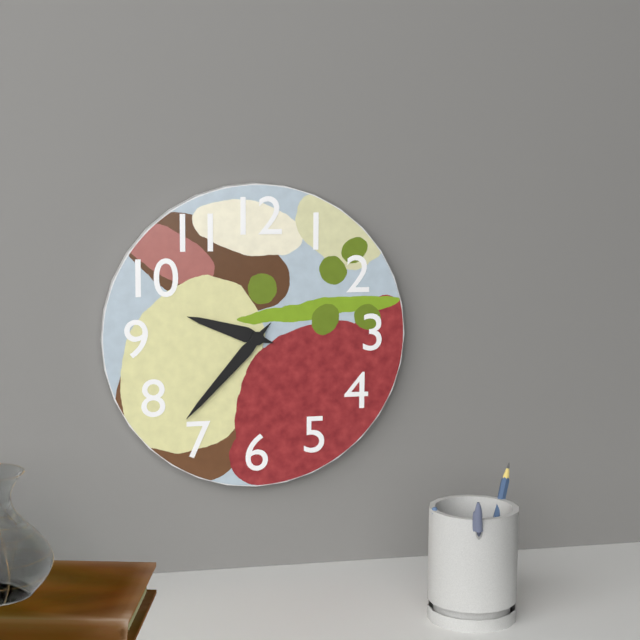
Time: {"hour": 9, "minute": 37}
